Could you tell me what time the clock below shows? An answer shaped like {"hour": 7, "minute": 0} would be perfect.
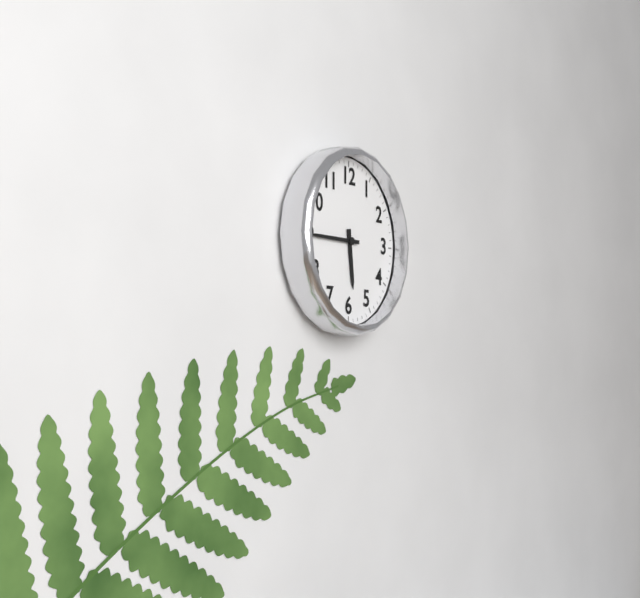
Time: {"hour": 5, "minute": 45}
